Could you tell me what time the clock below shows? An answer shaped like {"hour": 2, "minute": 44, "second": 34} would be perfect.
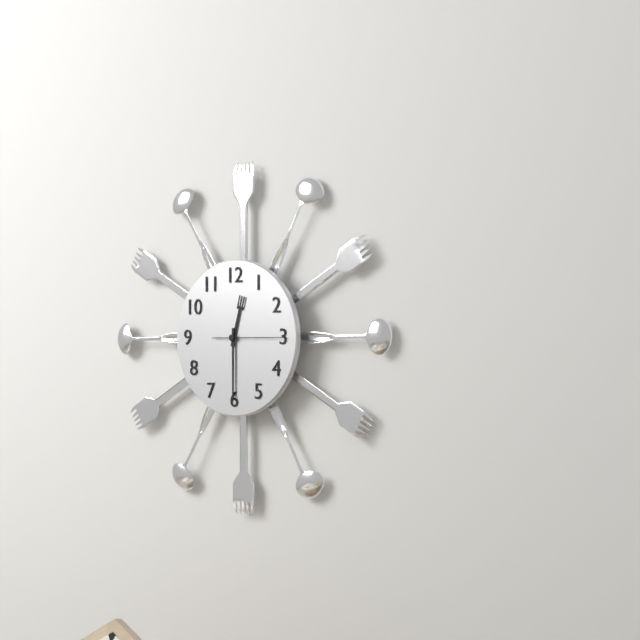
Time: {"hour": 12, "minute": 30, "second": 15}
